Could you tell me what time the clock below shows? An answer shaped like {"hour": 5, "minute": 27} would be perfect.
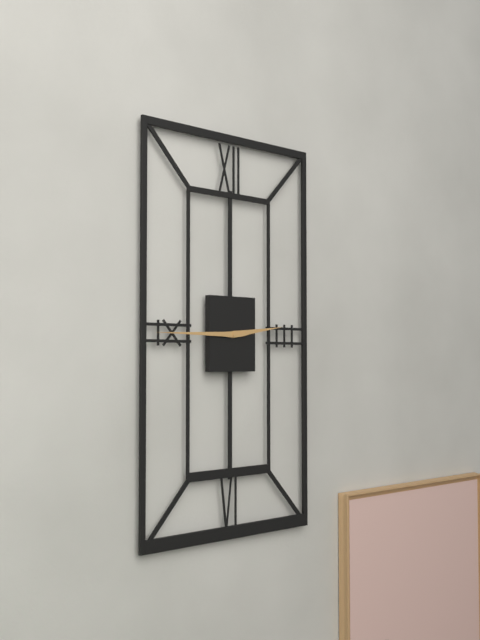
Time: {"hour": 2, "minute": 45}
